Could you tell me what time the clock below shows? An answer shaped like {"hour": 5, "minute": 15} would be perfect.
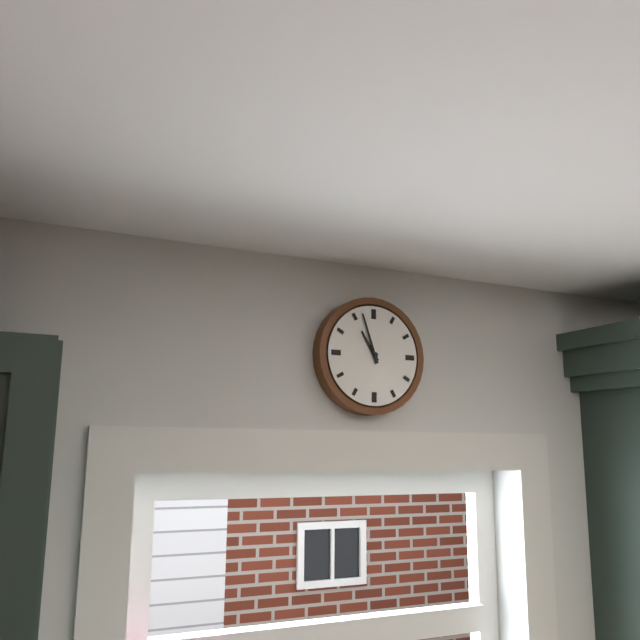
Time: {"hour": 10, "minute": 57}
